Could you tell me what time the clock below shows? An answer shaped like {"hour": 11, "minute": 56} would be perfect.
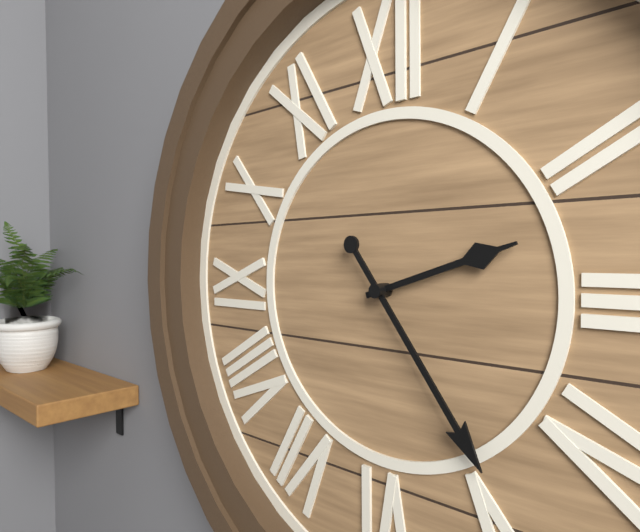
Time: {"hour": 2, "minute": 24}
